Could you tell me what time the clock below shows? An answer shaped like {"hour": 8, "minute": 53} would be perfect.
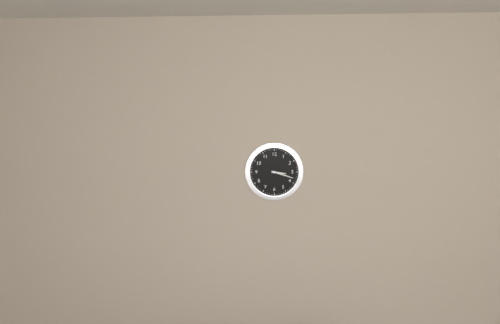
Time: {"hour": 3, "minute": 18}
